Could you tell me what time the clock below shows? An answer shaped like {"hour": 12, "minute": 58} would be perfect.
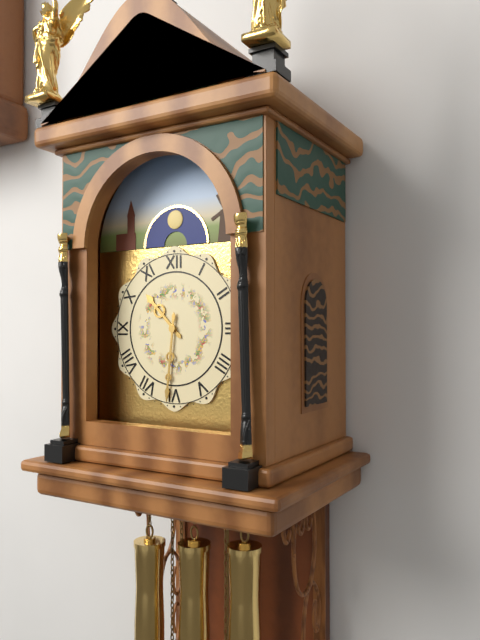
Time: {"hour": 10, "minute": 31}
